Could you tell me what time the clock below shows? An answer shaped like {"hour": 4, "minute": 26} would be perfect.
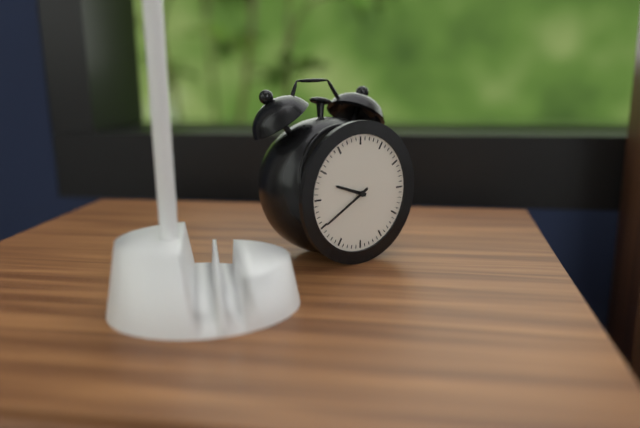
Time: {"hour": 9, "minute": 40}
